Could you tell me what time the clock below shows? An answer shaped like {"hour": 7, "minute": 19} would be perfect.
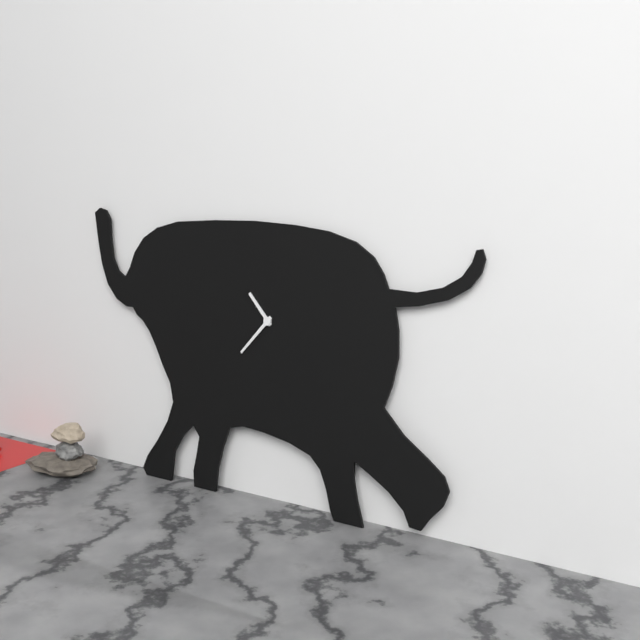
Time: {"hour": 10, "minute": 37}
